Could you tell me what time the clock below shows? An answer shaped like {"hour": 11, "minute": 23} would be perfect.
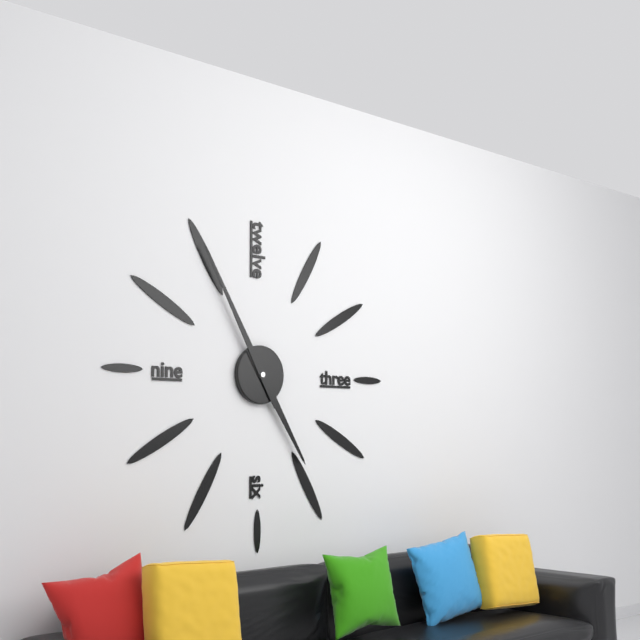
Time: {"hour": 4, "minute": 55}
